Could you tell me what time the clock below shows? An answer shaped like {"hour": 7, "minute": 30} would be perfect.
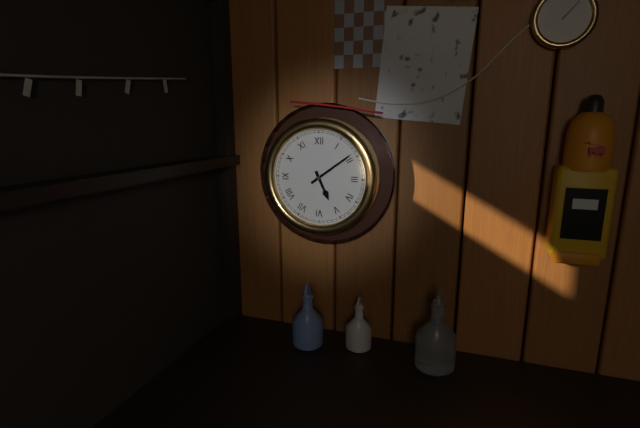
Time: {"hour": 5, "minute": 9}
